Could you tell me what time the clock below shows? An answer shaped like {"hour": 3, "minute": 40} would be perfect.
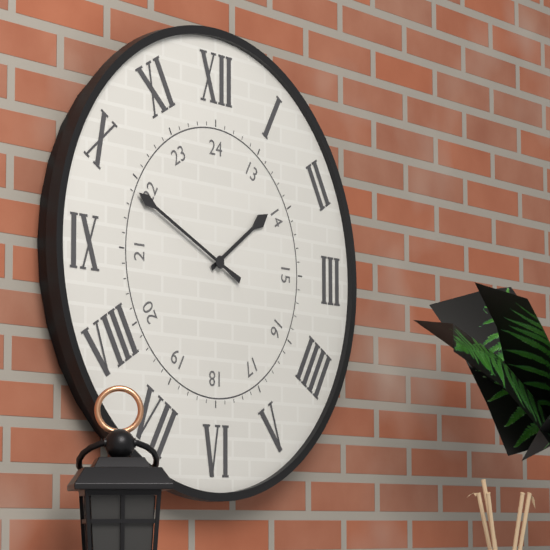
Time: {"hour": 1, "minute": 49}
